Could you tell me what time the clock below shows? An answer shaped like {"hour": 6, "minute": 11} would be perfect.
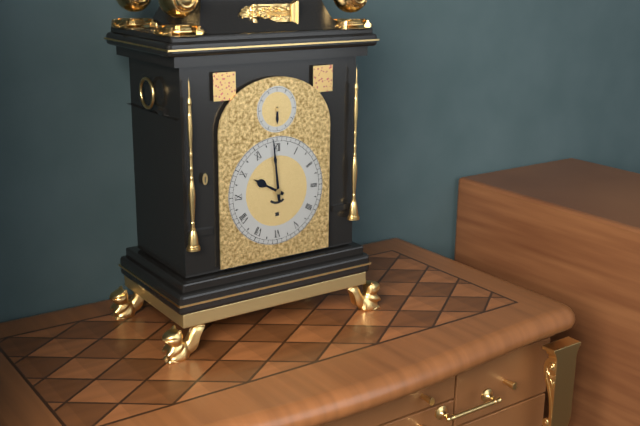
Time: {"hour": 9, "minute": 59}
